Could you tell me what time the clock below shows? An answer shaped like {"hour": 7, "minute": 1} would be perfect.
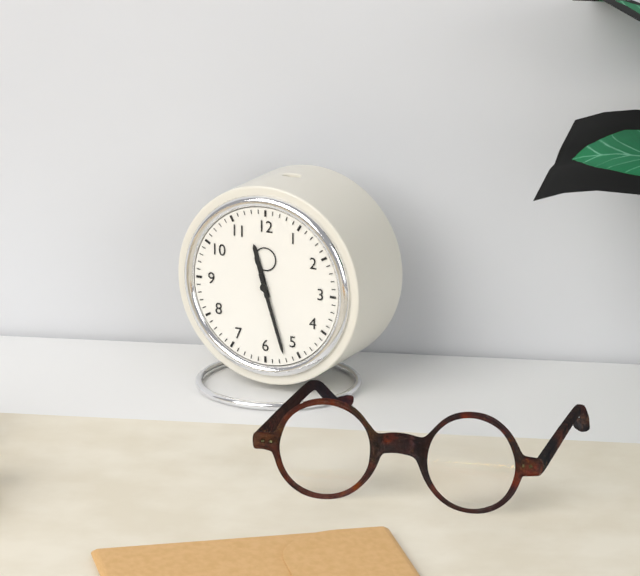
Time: {"hour": 11, "minute": 27}
